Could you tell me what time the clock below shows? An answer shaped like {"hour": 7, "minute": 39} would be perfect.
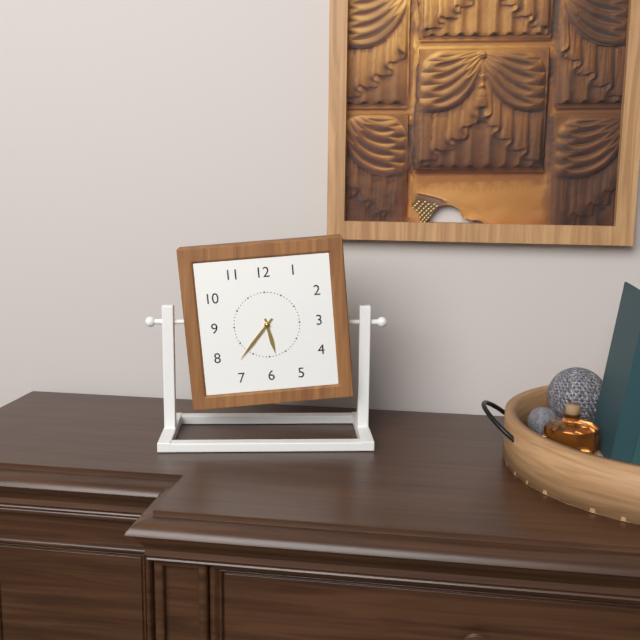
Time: {"hour": 5, "minute": 37}
